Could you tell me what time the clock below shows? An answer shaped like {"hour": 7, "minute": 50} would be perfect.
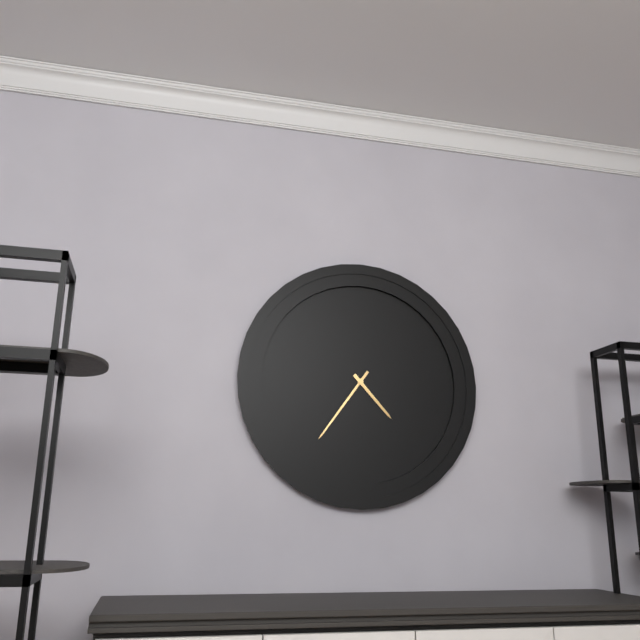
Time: {"hour": 4, "minute": 36}
